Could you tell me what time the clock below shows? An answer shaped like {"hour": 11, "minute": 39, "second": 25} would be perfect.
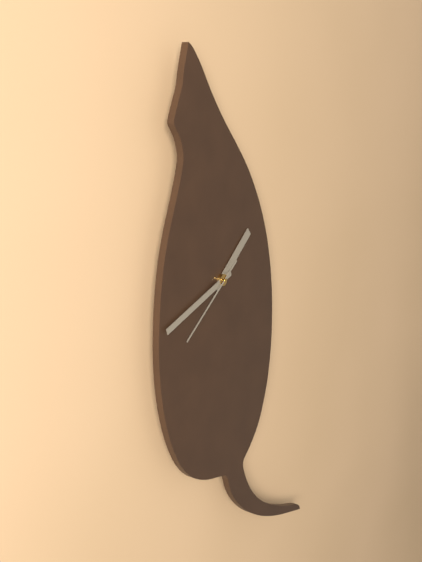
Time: {"hour": 1, "minute": 42, "second": 39}
